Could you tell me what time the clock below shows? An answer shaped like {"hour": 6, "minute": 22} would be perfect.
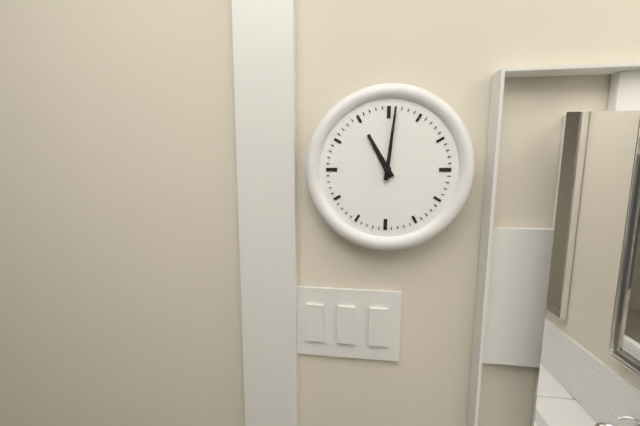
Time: {"hour": 11, "minute": 1}
